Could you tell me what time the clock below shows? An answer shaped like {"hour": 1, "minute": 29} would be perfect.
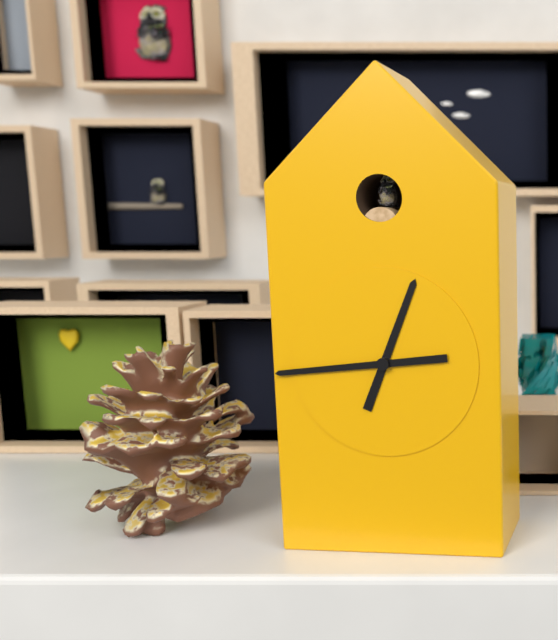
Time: {"hour": 12, "minute": 44}
